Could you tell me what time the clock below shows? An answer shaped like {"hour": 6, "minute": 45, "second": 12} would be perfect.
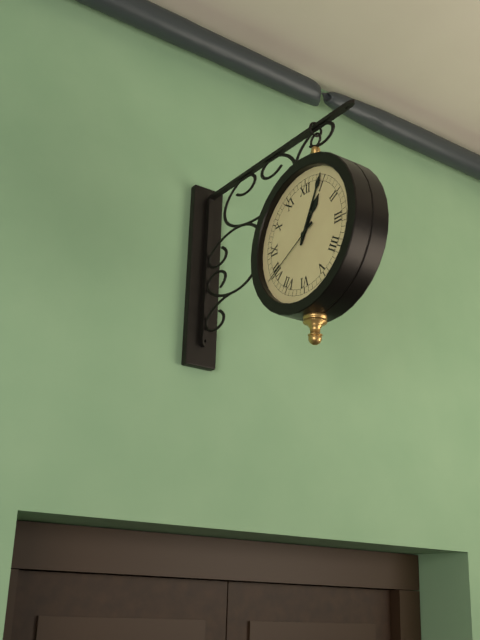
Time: {"hour": 1, "minute": 4, "second": 40}
